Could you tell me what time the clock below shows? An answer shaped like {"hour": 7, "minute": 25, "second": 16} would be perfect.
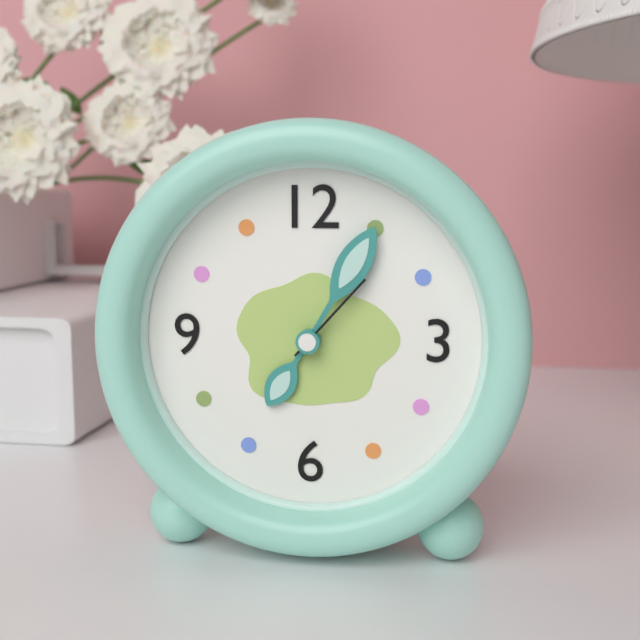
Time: {"hour": 7, "minute": 5, "second": 7}
